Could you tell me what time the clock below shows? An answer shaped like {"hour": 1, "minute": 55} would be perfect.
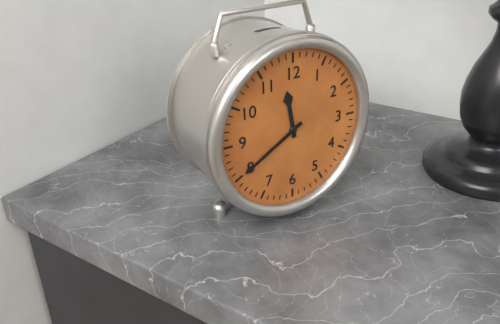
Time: {"hour": 11, "minute": 40}
